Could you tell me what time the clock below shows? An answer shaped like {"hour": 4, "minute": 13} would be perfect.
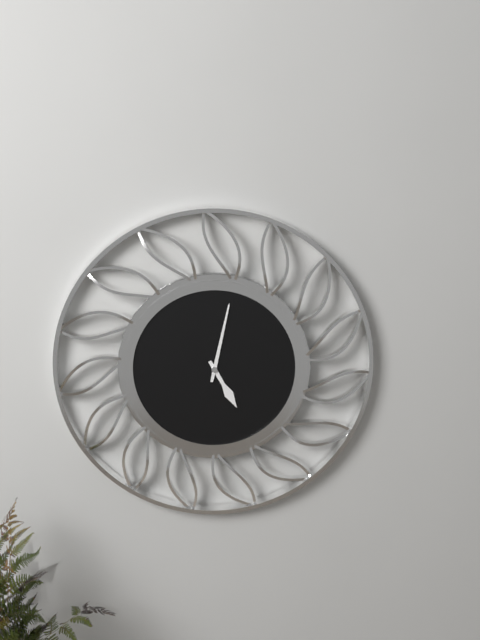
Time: {"hour": 5, "minute": 2}
